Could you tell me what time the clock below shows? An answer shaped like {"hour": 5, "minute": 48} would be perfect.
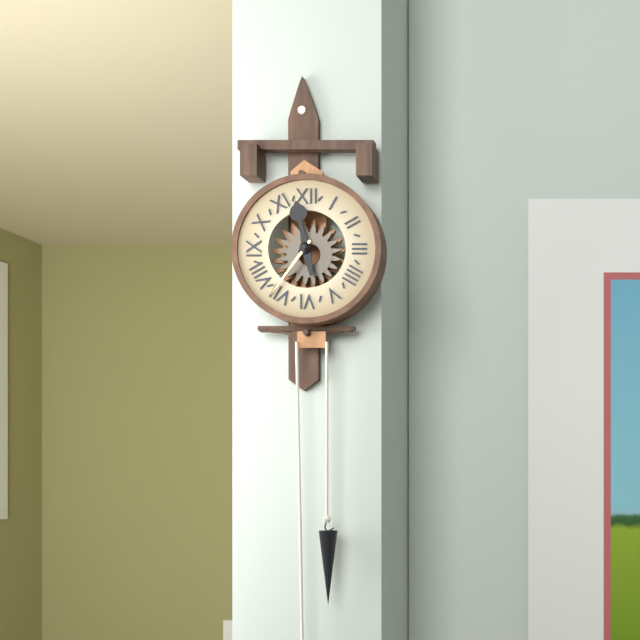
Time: {"hour": 11, "minute": 36}
